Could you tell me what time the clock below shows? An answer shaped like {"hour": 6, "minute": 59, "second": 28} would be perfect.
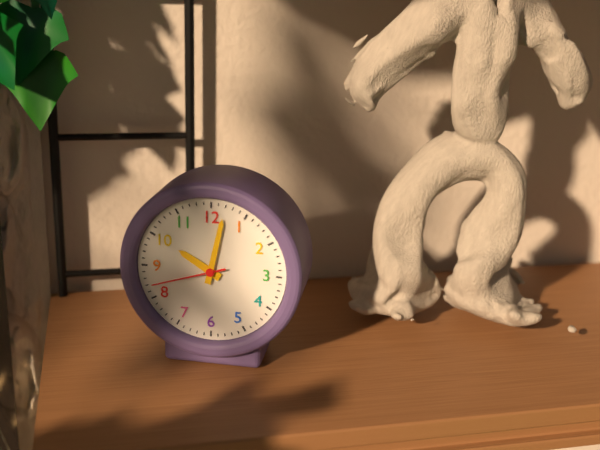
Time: {"hour": 10, "minute": 2, "second": 42}
